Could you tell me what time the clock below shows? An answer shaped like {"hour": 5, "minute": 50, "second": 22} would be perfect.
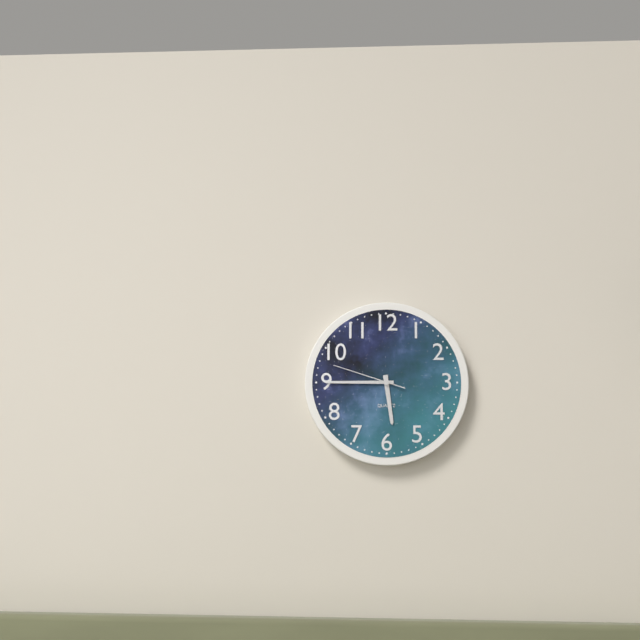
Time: {"hour": 5, "minute": 45, "second": 48}
